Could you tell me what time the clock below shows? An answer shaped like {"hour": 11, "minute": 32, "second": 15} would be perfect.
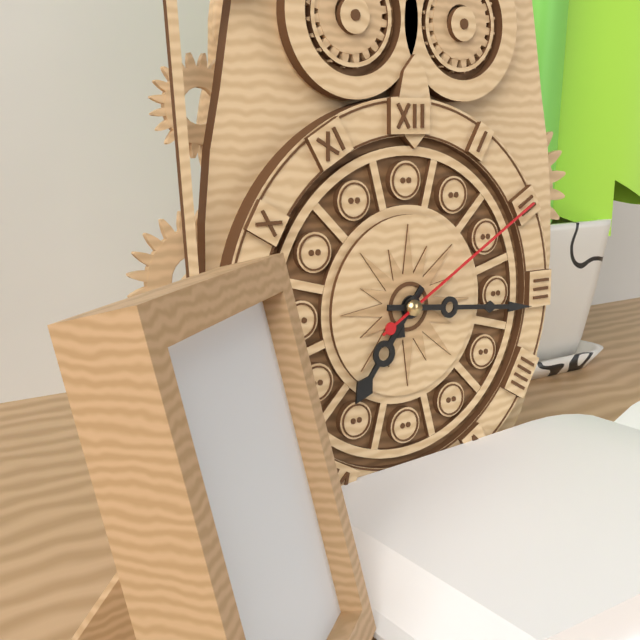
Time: {"hour": 7, "minute": 16, "second": 10}
